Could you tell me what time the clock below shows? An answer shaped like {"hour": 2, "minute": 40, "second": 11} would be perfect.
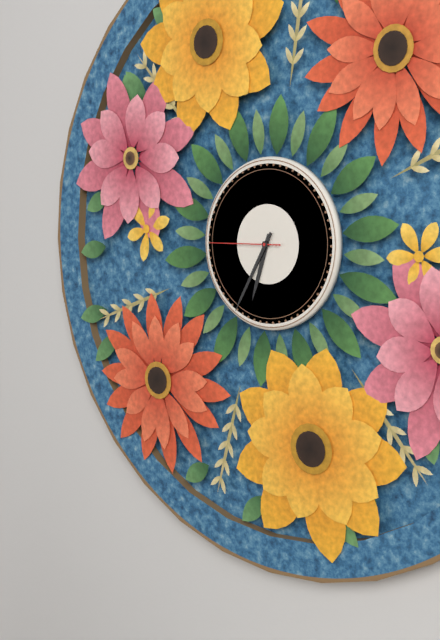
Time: {"hour": 6, "minute": 35, "second": 45}
